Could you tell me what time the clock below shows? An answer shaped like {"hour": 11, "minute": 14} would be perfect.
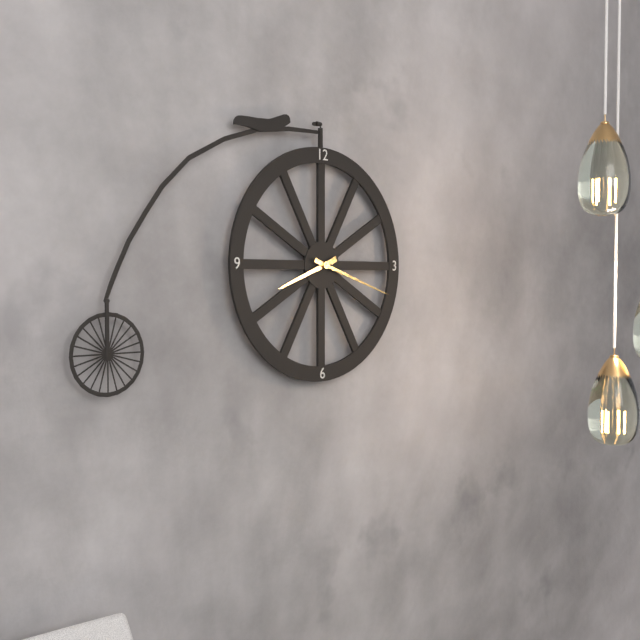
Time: {"hour": 8, "minute": 18}
